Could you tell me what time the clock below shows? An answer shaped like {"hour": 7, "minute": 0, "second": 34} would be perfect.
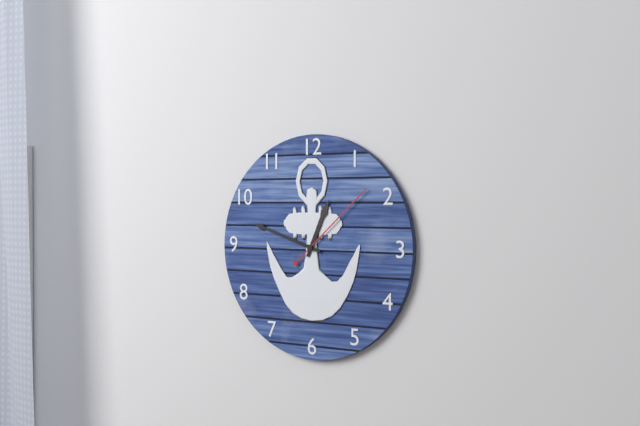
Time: {"hour": 12, "minute": 48, "second": 8}
